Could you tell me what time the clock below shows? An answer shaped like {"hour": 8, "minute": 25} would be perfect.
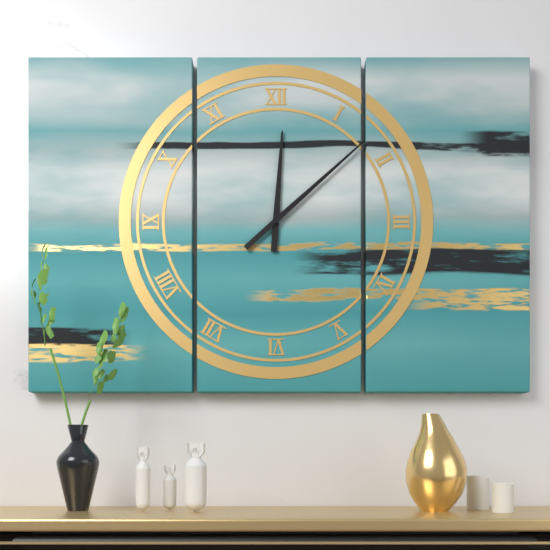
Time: {"hour": 12, "minute": 8}
